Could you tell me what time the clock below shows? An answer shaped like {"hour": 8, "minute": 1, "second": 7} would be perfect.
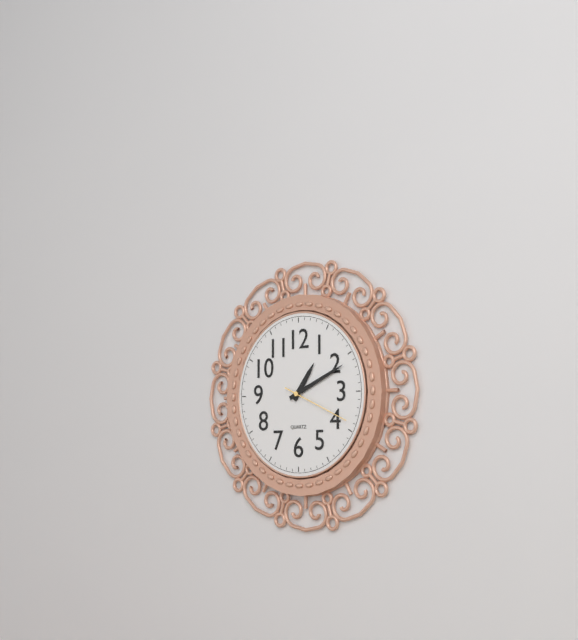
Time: {"hour": 1, "minute": 11, "second": 19}
